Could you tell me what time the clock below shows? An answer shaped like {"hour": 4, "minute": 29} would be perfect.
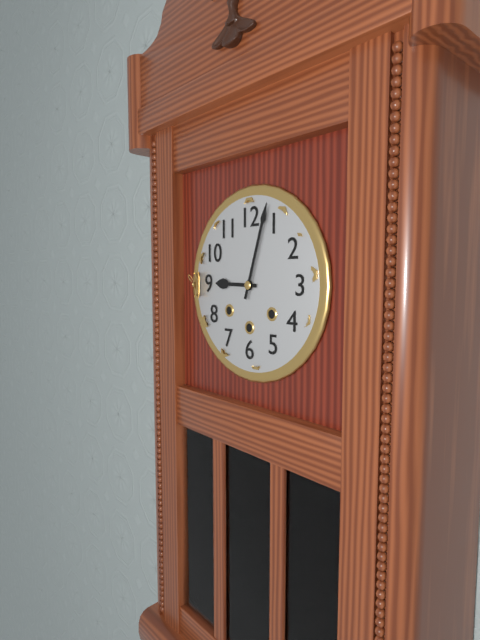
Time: {"hour": 9, "minute": 3}
